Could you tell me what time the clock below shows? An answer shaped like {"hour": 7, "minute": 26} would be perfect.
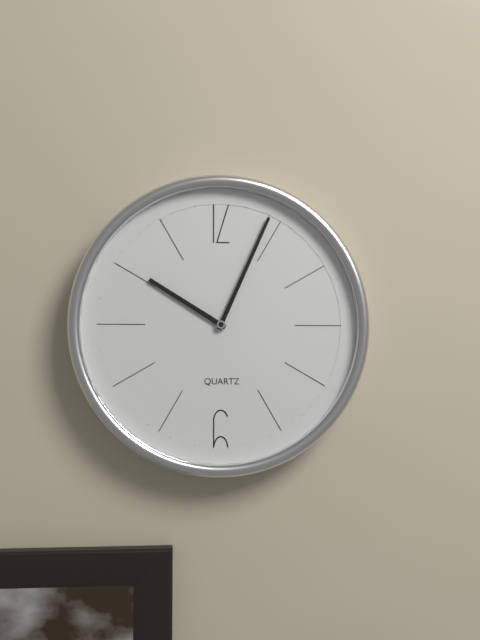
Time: {"hour": 10, "minute": 4}
